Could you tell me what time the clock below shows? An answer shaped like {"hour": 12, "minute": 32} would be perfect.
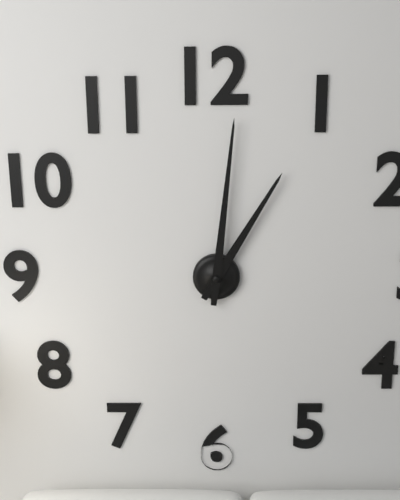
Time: {"hour": 1, "minute": 1}
